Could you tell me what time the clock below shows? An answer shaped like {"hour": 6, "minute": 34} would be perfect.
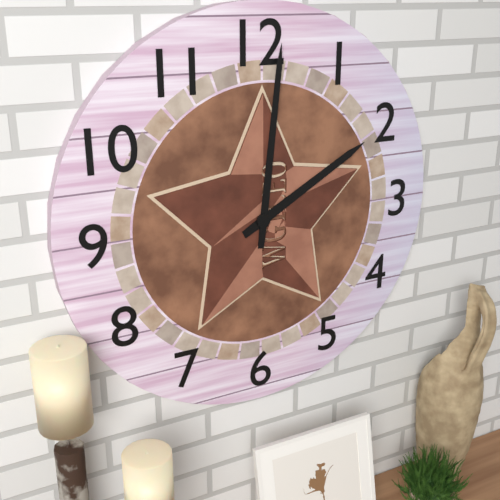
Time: {"hour": 2, "minute": 1}
